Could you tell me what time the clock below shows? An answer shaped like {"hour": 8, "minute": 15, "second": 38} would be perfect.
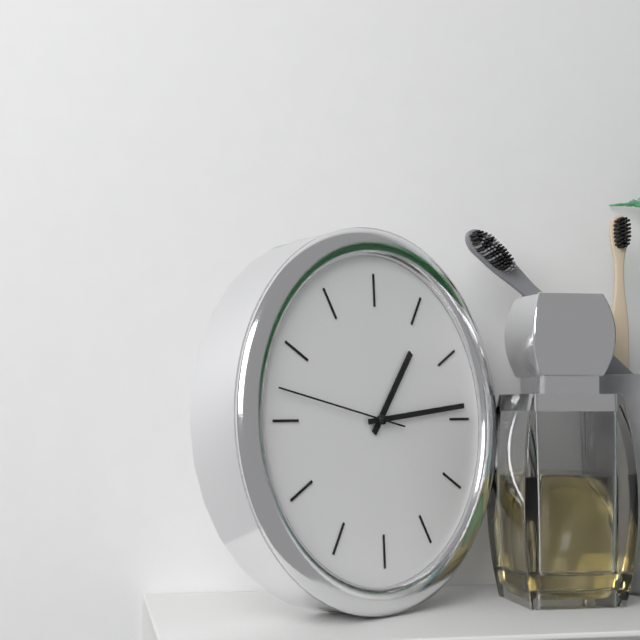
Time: {"hour": 1, "minute": 14, "second": 47}
